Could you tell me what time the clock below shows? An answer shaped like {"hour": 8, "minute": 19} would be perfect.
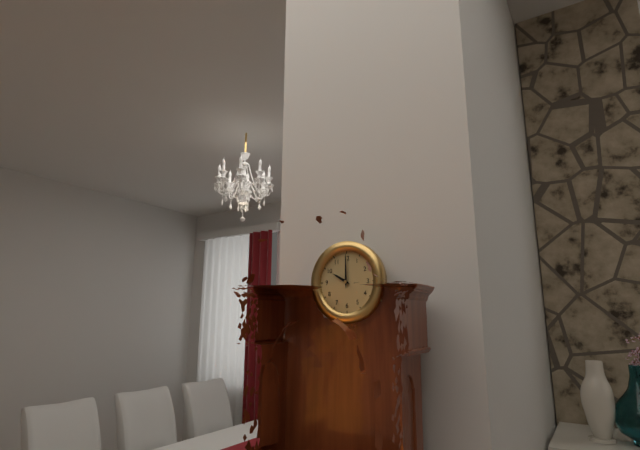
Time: {"hour": 10, "minute": 0}
